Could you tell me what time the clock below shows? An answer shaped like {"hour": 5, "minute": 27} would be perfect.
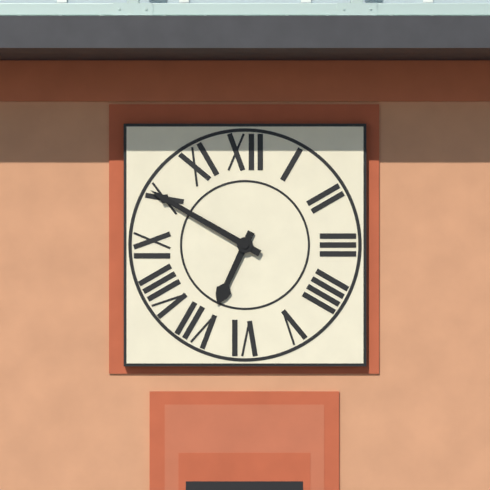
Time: {"hour": 6, "minute": 50}
